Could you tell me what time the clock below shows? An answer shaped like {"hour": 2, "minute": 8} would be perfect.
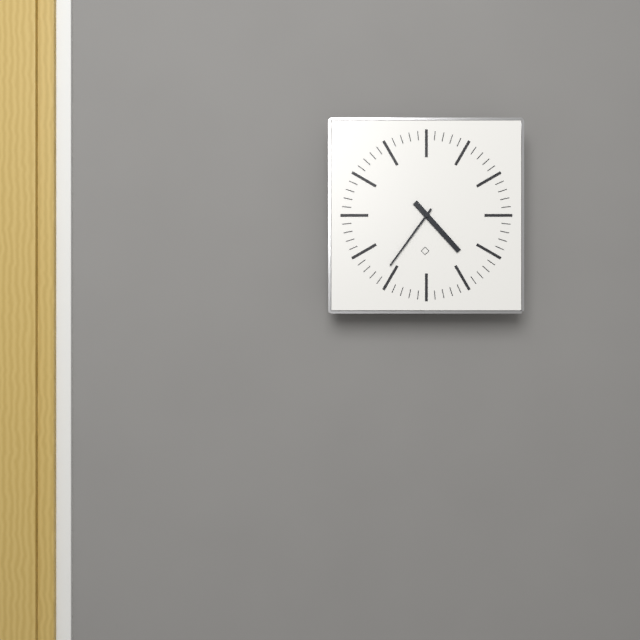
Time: {"hour": 4, "minute": 36}
